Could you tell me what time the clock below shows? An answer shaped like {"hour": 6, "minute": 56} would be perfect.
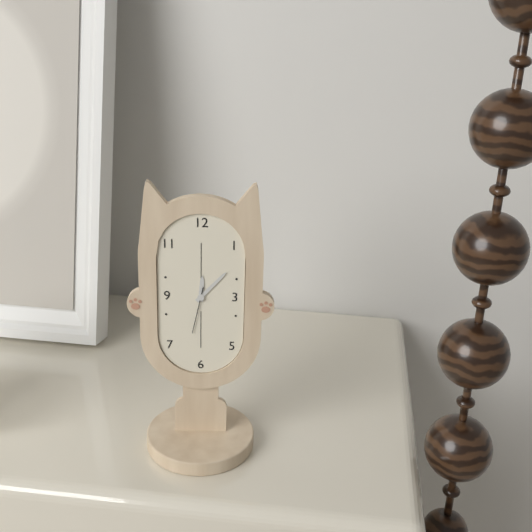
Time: {"hour": 12, "minute": 7}
